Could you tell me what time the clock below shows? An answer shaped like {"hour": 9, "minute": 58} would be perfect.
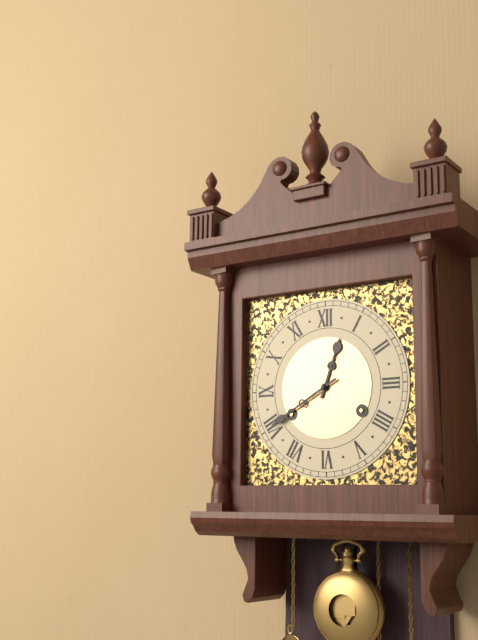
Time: {"hour": 12, "minute": 40}
